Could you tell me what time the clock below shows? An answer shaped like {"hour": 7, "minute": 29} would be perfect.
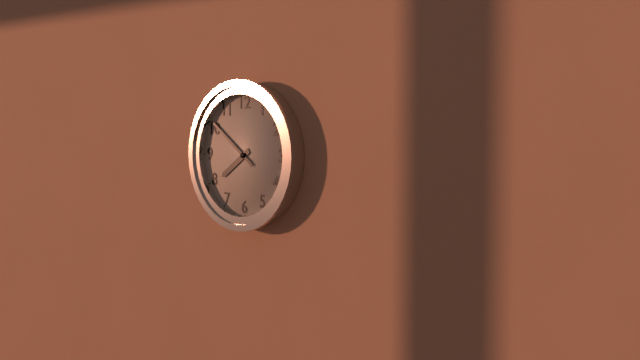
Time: {"hour": 7, "minute": 51}
